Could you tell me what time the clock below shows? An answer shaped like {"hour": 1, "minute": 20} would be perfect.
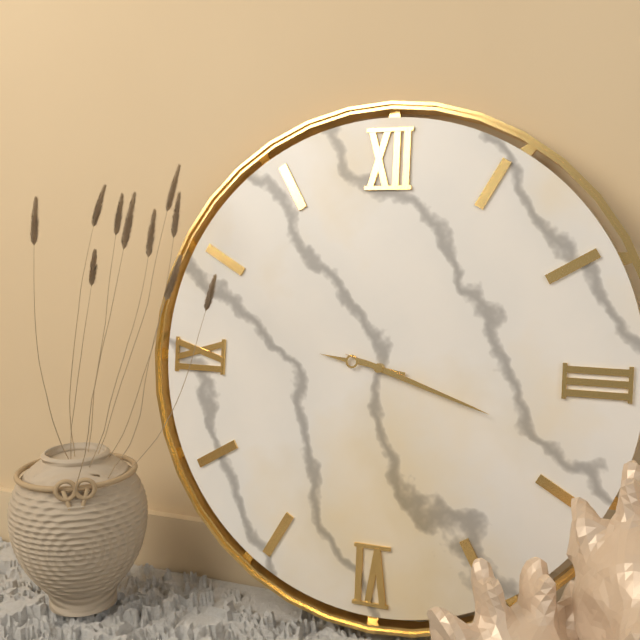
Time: {"hour": 9, "minute": 18}
